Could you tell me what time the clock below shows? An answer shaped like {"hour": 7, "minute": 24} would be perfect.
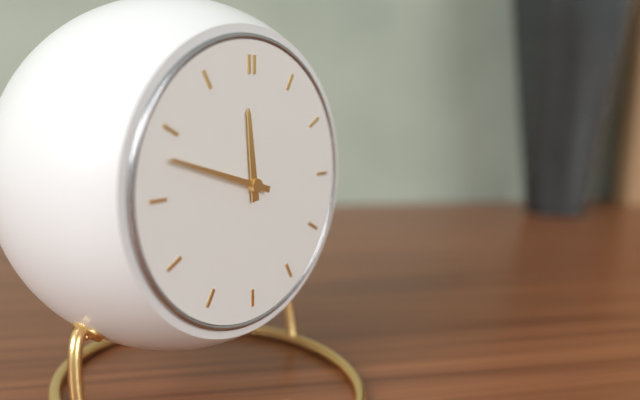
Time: {"hour": 11, "minute": 48}
